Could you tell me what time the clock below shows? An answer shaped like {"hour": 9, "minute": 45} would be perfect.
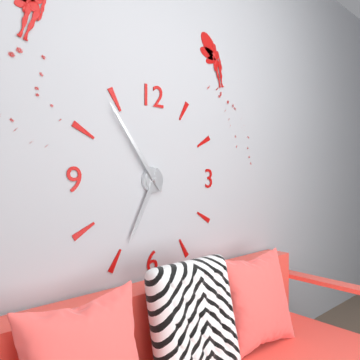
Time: {"hour": 6, "minute": 54}
